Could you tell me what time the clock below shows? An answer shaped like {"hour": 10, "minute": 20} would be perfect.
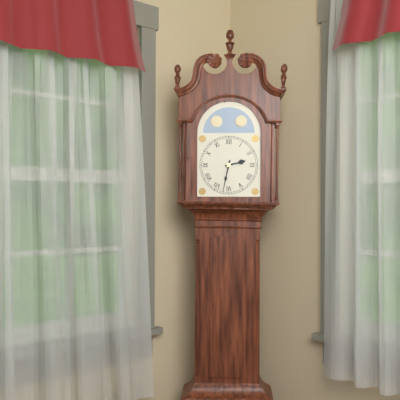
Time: {"hour": 2, "minute": 32}
